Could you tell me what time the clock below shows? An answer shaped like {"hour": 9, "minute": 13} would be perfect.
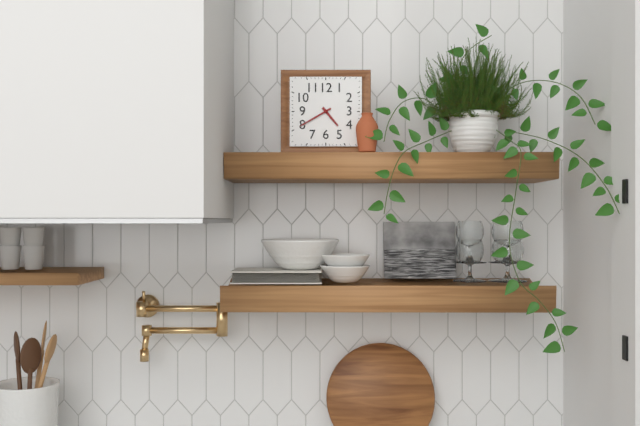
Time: {"hour": 4, "minute": 40}
